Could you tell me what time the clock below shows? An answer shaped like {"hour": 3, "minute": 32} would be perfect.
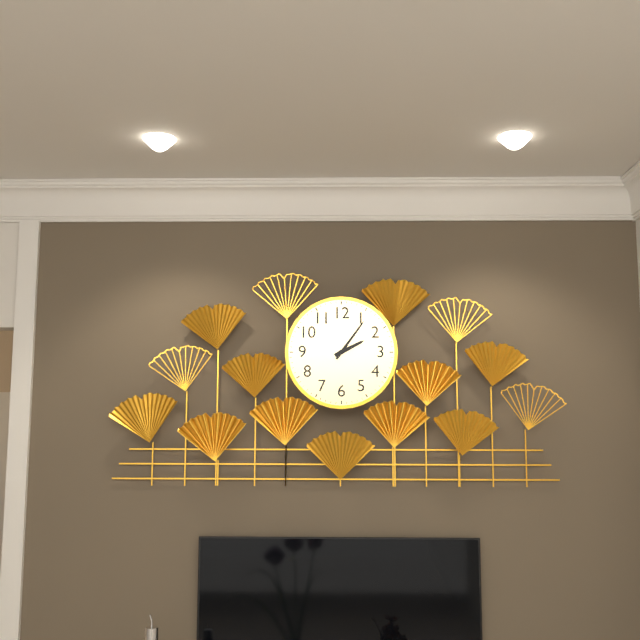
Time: {"hour": 2, "minute": 6}
